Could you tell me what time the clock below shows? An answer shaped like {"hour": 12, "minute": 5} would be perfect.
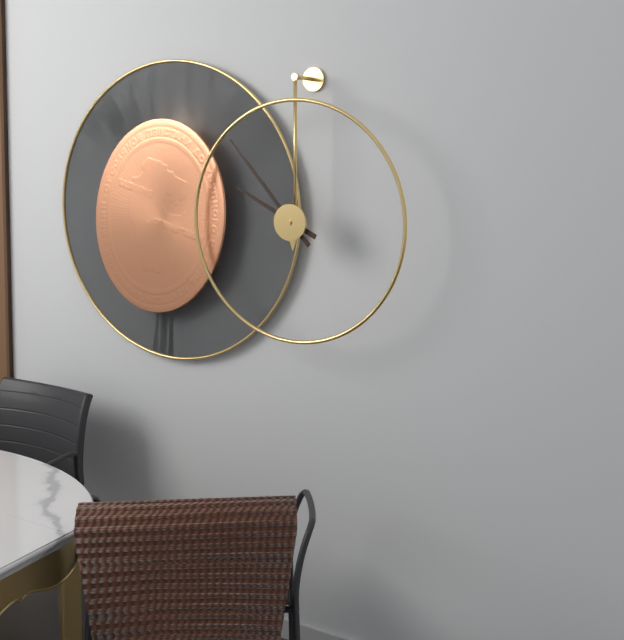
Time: {"hour": 9, "minute": 53}
